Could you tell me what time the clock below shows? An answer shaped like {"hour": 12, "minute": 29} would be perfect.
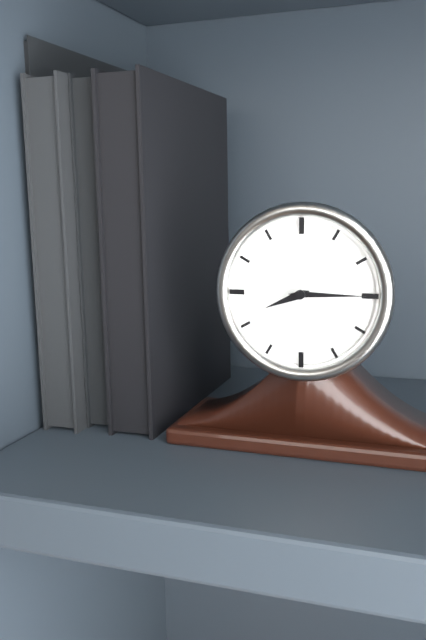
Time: {"hour": 8, "minute": 15}
